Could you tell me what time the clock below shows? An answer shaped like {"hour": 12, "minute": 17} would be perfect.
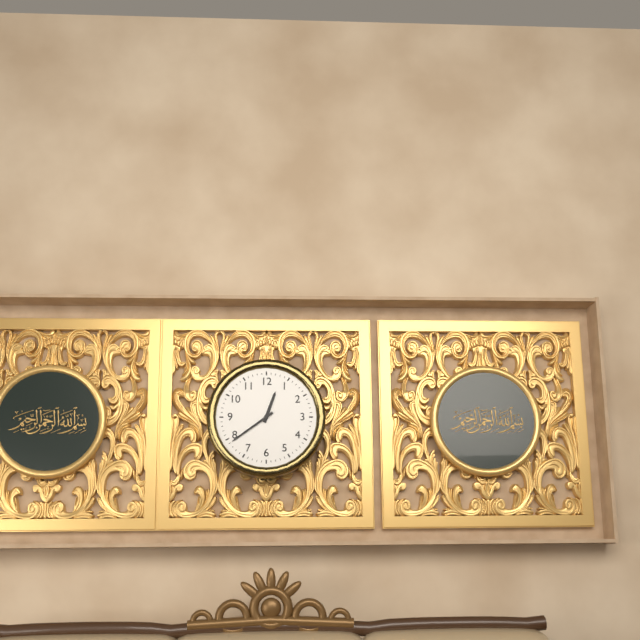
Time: {"hour": 12, "minute": 39}
